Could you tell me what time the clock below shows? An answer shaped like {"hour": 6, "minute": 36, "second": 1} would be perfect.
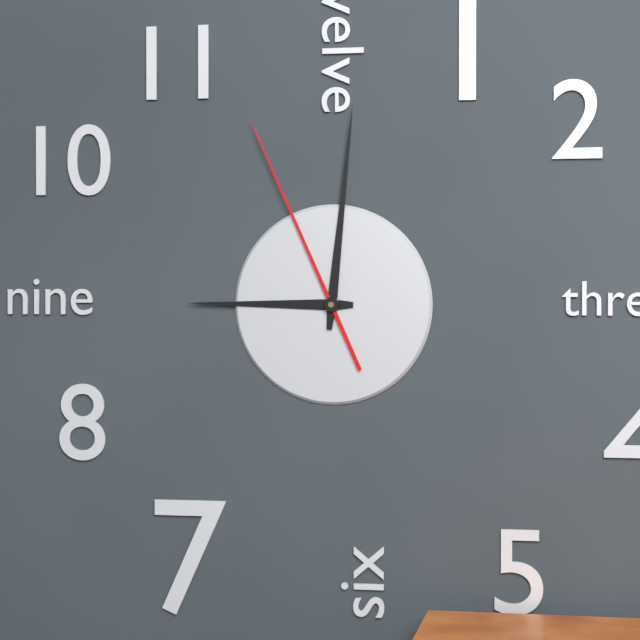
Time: {"hour": 9, "minute": 1, "second": 56}
